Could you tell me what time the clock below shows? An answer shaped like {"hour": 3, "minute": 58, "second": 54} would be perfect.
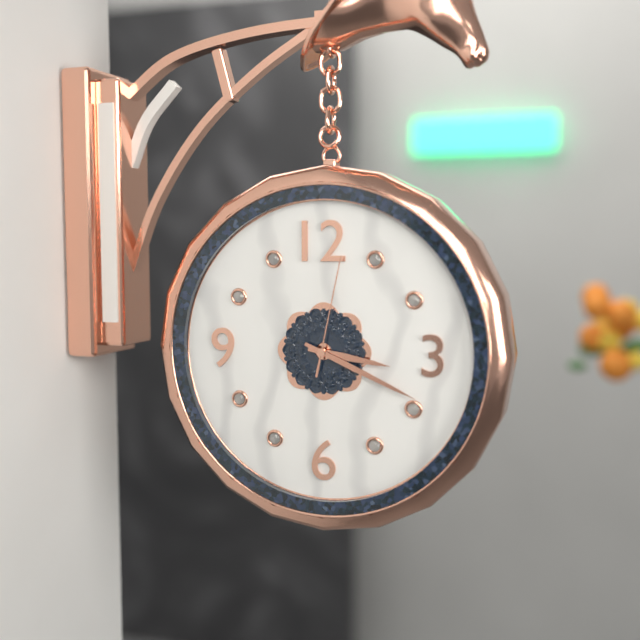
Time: {"hour": 3, "minute": 19, "second": 2}
